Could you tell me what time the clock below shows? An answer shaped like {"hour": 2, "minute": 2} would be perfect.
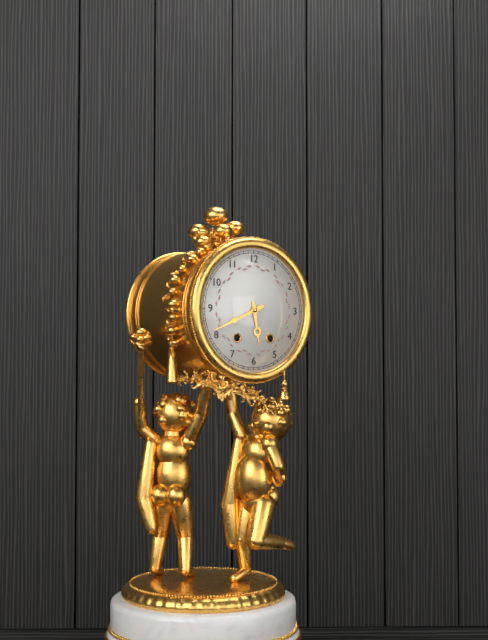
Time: {"hour": 5, "minute": 41}
